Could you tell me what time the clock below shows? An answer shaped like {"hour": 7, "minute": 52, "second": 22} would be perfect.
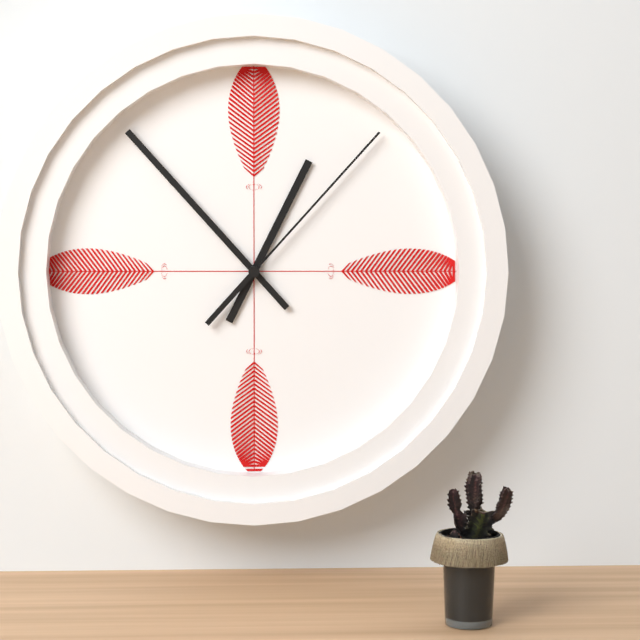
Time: {"hour": 12, "minute": 53, "second": 7}
